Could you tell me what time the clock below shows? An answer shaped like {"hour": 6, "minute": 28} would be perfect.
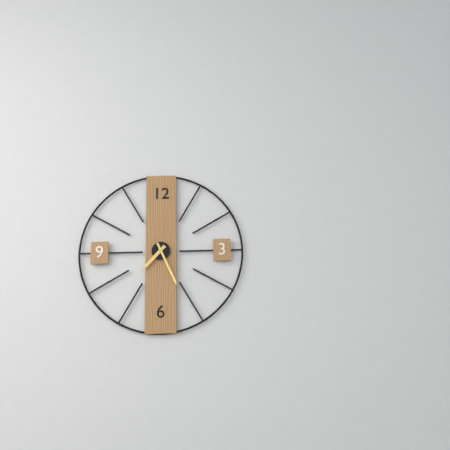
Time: {"hour": 7, "minute": 26}
